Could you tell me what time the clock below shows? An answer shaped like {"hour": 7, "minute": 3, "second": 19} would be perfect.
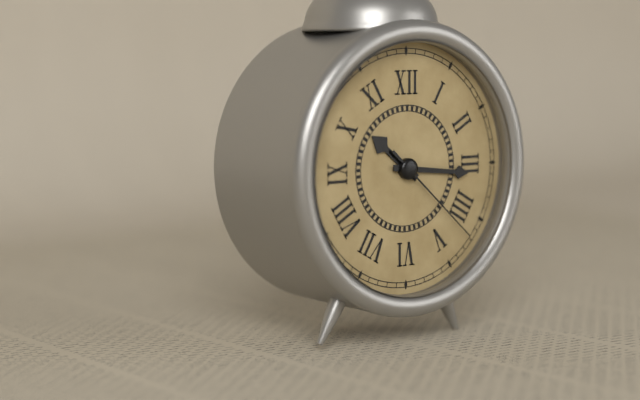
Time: {"hour": 10, "minute": 16, "second": 22}
